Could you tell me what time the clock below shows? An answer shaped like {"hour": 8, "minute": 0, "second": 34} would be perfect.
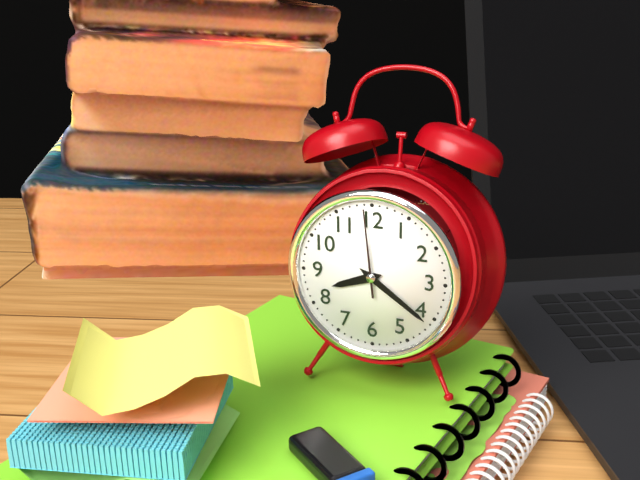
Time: {"hour": 8, "minute": 21, "second": 59}
